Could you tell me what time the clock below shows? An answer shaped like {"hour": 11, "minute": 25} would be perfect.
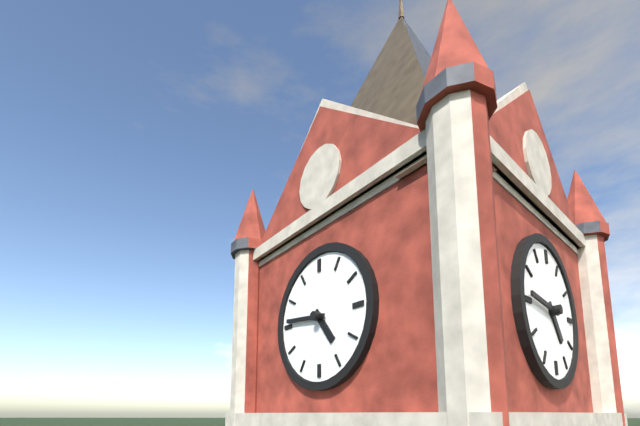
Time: {"hour": 4, "minute": 46}
